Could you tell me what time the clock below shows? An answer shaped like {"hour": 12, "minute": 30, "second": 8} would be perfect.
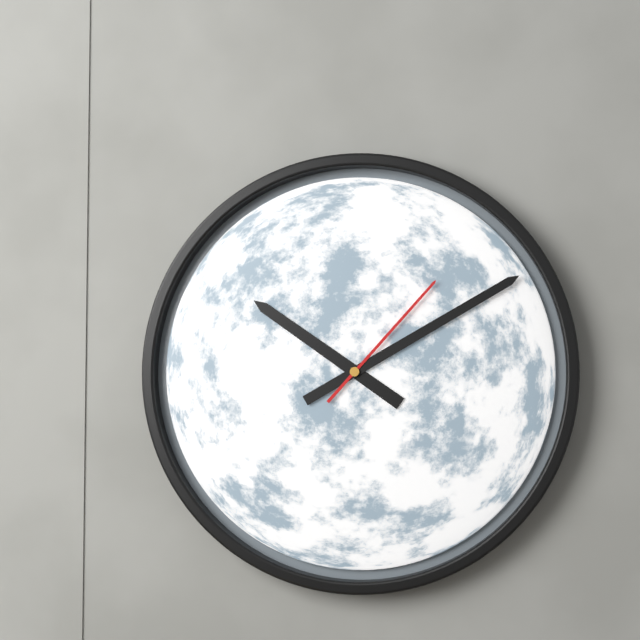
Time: {"hour": 10, "minute": 10, "second": 7}
